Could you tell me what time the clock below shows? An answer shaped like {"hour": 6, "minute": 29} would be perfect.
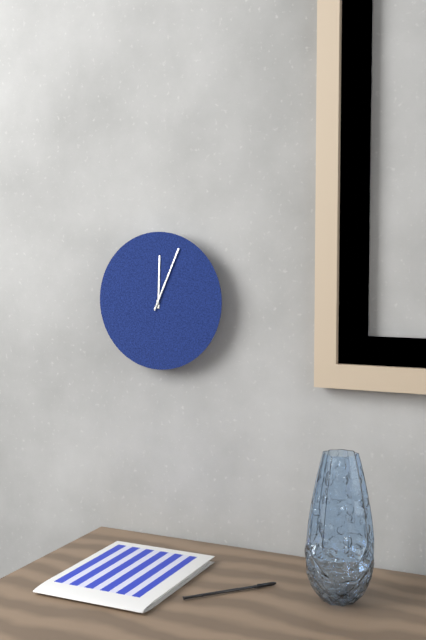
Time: {"hour": 12, "minute": 4}
